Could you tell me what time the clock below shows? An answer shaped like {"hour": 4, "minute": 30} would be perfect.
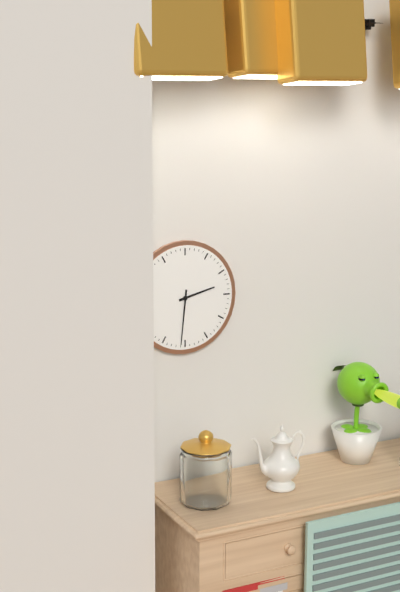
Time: {"hour": 2, "minute": 31}
